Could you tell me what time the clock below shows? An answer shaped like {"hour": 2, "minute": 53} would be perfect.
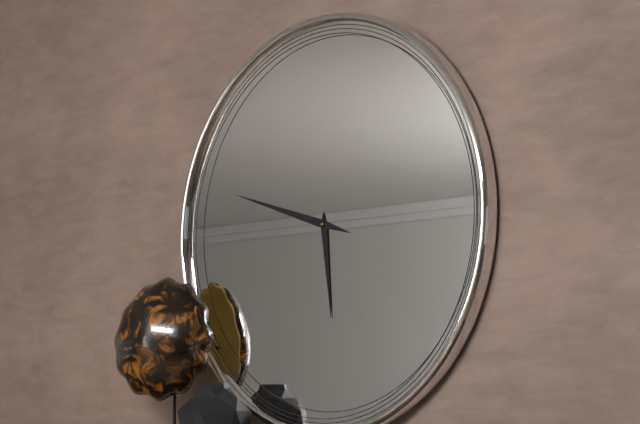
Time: {"hour": 5, "minute": 48}
